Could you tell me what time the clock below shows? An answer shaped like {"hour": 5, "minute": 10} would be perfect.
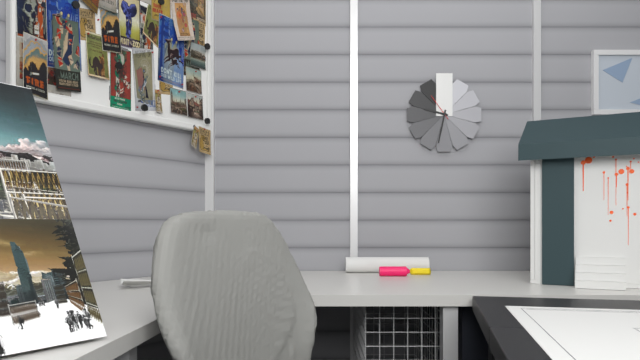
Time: {"hour": 9, "minute": 32}
